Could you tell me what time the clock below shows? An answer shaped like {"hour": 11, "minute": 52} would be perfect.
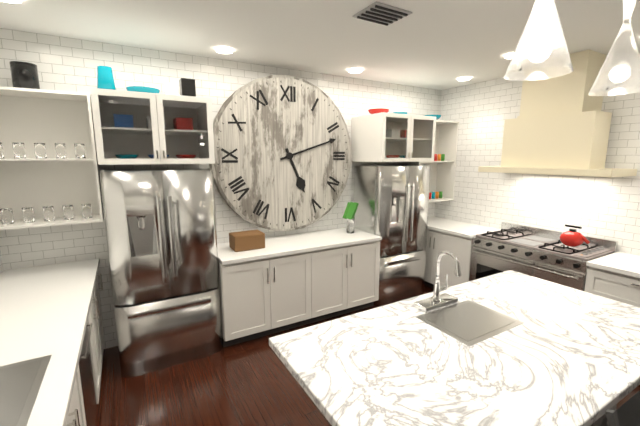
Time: {"hour": 5, "minute": 12}
